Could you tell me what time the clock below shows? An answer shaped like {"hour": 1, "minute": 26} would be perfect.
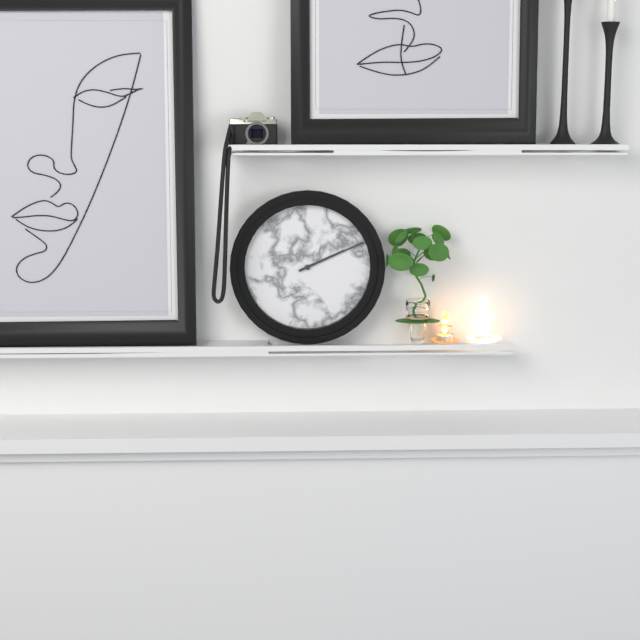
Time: {"hour": 2, "minute": 11}
